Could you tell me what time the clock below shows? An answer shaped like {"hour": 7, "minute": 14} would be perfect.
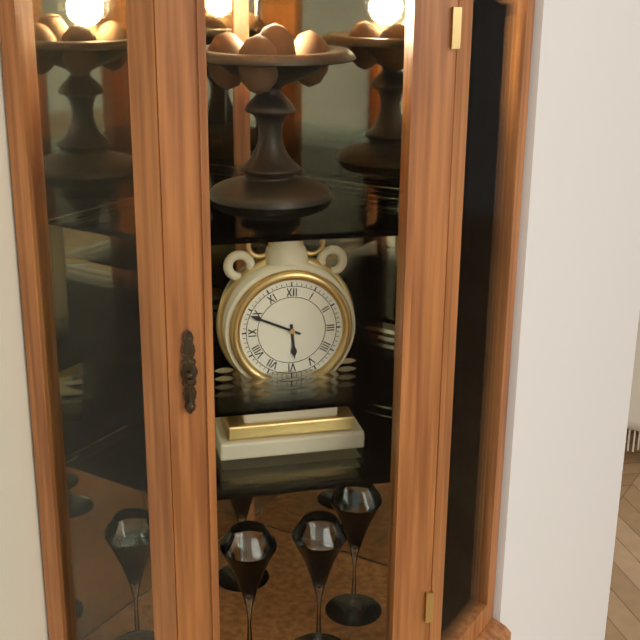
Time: {"hour": 5, "minute": 49}
